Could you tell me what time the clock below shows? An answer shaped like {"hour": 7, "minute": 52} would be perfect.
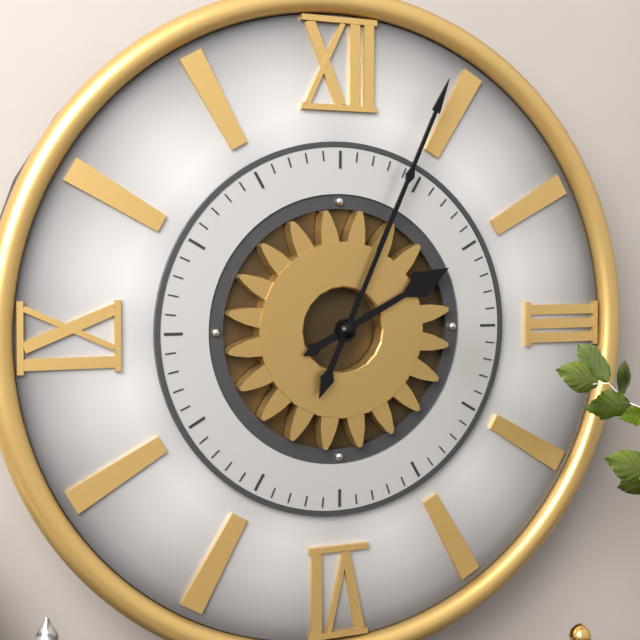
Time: {"hour": 2, "minute": 4}
